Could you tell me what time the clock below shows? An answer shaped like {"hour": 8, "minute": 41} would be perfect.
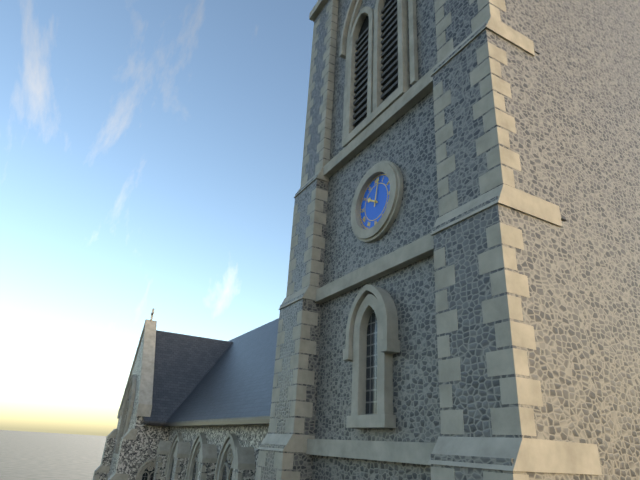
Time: {"hour": 10, "minute": 2}
